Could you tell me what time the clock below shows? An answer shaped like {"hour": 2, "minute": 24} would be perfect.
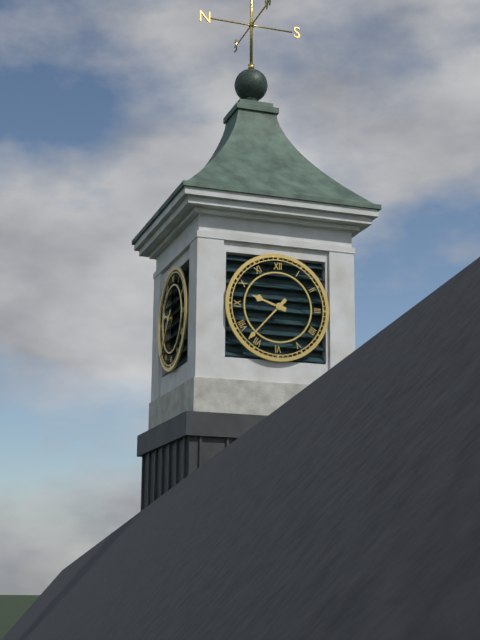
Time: {"hour": 9, "minute": 37}
